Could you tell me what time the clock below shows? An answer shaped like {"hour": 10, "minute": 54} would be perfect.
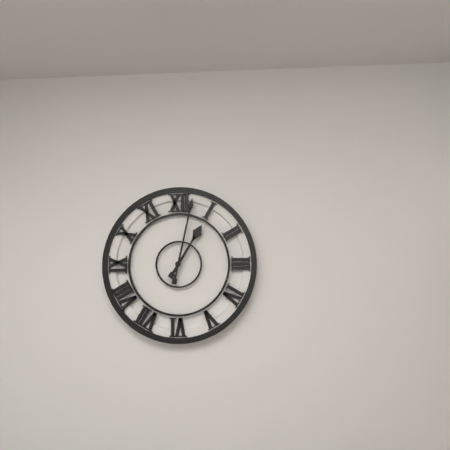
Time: {"hour": 1, "minute": 2}
